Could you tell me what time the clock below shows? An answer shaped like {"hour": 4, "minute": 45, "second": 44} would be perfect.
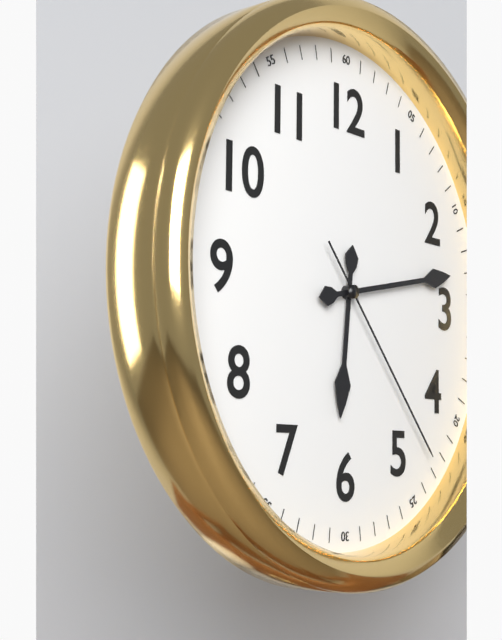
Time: {"hour": 6, "minute": 13, "second": 23}
